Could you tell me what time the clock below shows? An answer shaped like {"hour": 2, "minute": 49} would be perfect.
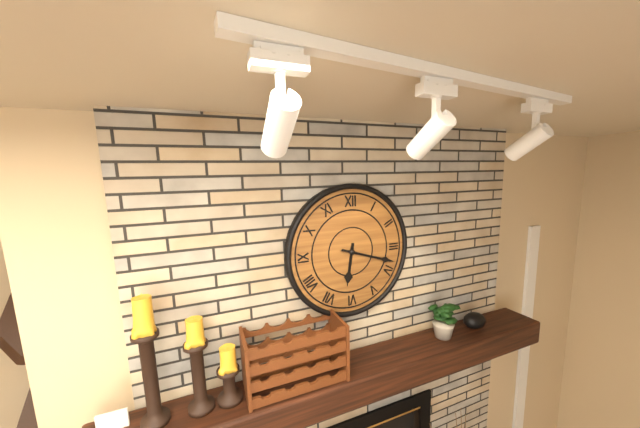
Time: {"hour": 6, "minute": 18}
